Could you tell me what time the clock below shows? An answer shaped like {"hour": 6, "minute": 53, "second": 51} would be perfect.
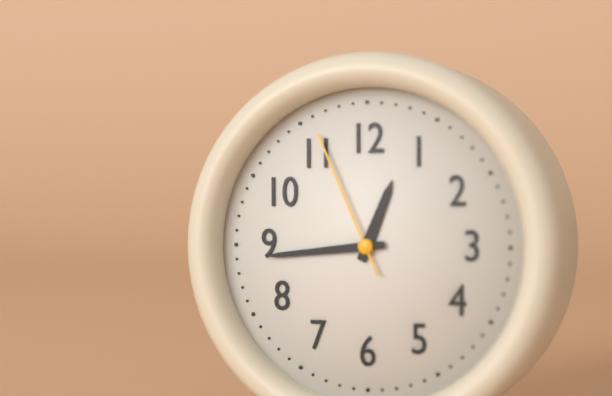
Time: {"hour": 12, "minute": 44, "second": 56}
